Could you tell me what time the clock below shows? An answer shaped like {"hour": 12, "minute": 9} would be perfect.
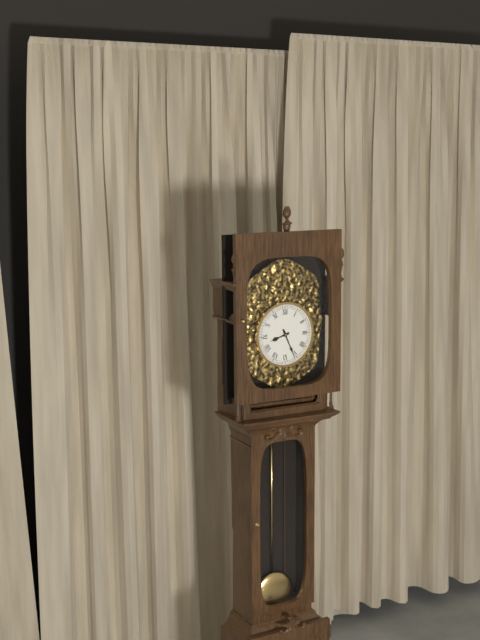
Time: {"hour": 8, "minute": 26}
